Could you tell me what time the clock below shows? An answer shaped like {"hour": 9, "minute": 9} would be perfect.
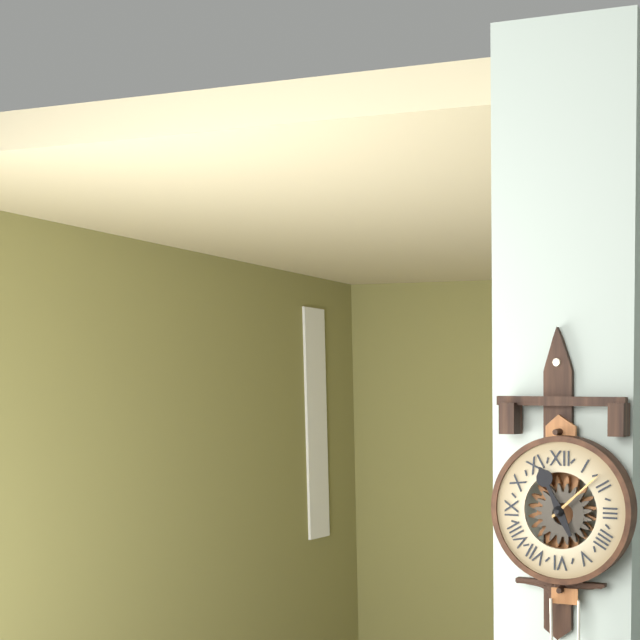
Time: {"hour": 11, "minute": 8}
